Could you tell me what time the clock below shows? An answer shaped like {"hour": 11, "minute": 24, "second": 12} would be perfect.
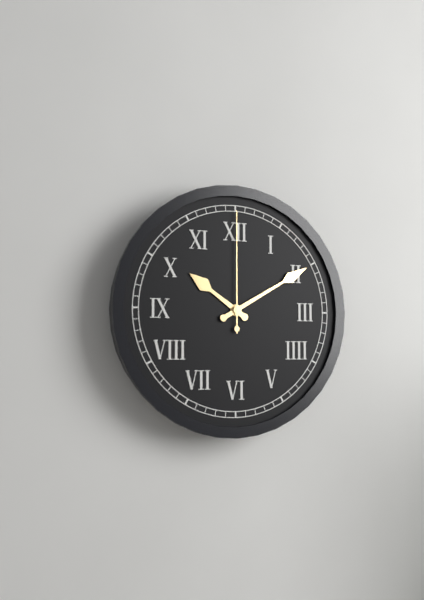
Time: {"hour": 10, "minute": 10, "second": 0}
